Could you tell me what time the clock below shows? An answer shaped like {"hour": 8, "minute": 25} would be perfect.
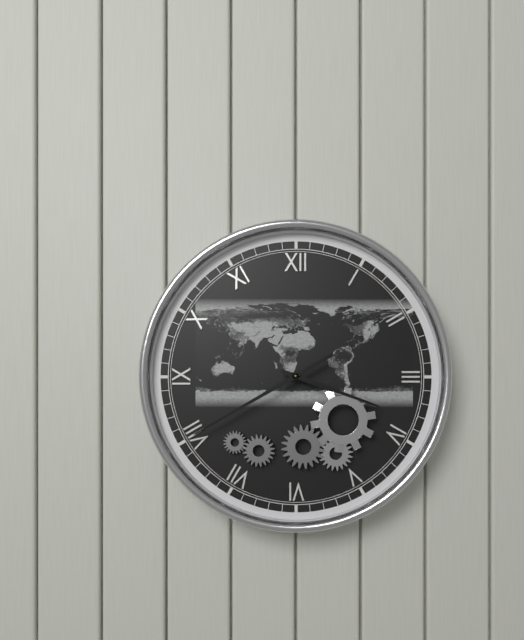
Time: {"hour": 3, "minute": 40}
